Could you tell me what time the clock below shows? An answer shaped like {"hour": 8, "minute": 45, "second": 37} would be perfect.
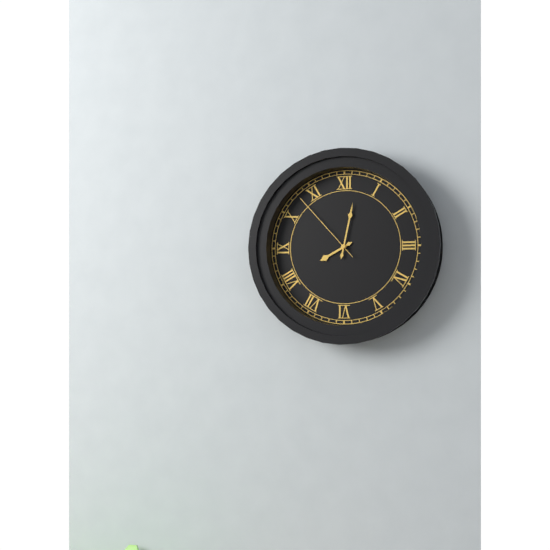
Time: {"hour": 8, "minute": 2, "second": 53}
